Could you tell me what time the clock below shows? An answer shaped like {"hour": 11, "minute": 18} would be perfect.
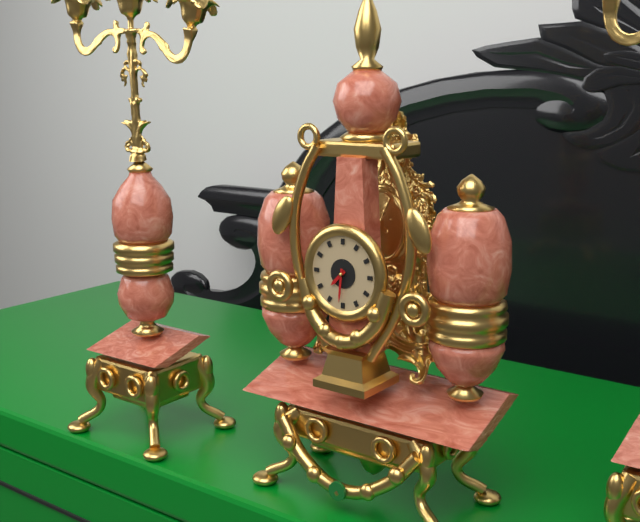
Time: {"hour": 7, "minute": 31}
